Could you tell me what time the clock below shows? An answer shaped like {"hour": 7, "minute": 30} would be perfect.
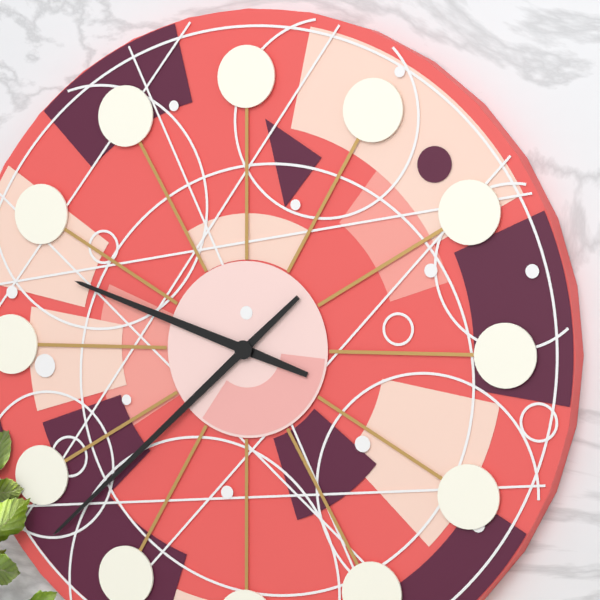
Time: {"hour": 9, "minute": 38}
